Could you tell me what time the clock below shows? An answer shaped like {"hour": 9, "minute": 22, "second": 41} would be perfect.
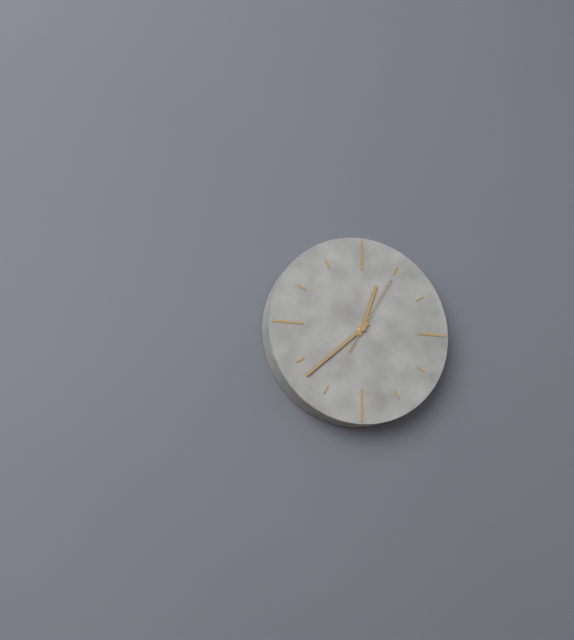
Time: {"hour": 12, "minute": 38, "second": 5}
